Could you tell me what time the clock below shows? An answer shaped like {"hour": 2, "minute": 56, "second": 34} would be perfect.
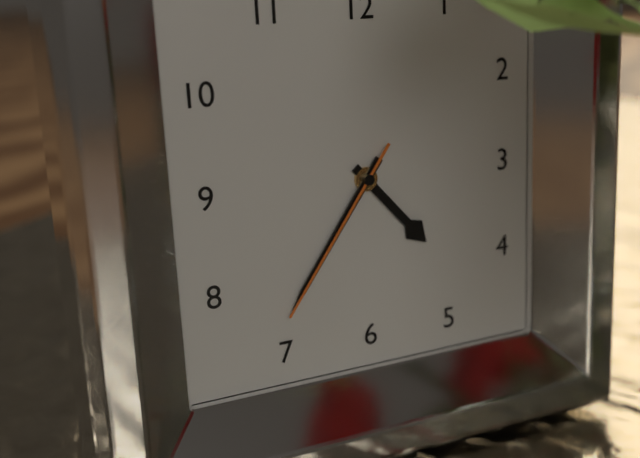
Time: {"hour": 4, "minute": 36, "second": 36}
